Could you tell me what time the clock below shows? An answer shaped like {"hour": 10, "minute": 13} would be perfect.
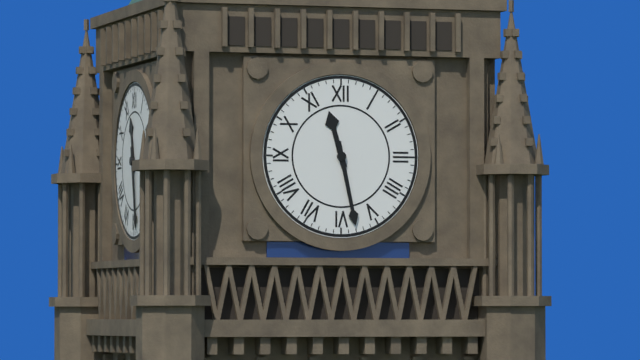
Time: {"hour": 11, "minute": 28}
